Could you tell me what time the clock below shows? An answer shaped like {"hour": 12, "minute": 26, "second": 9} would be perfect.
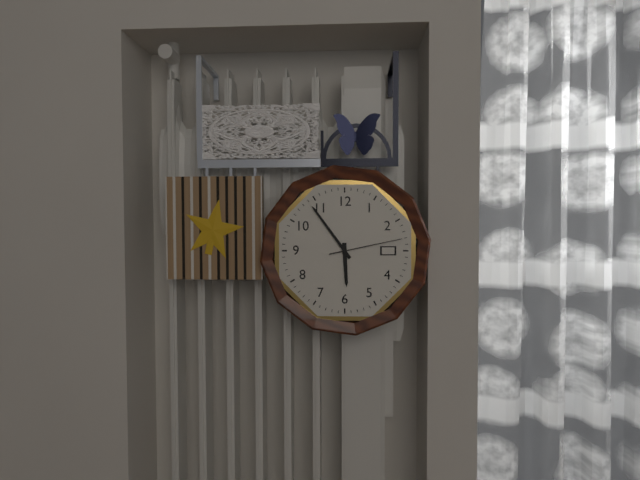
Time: {"hour": 5, "minute": 54, "second": 13}
